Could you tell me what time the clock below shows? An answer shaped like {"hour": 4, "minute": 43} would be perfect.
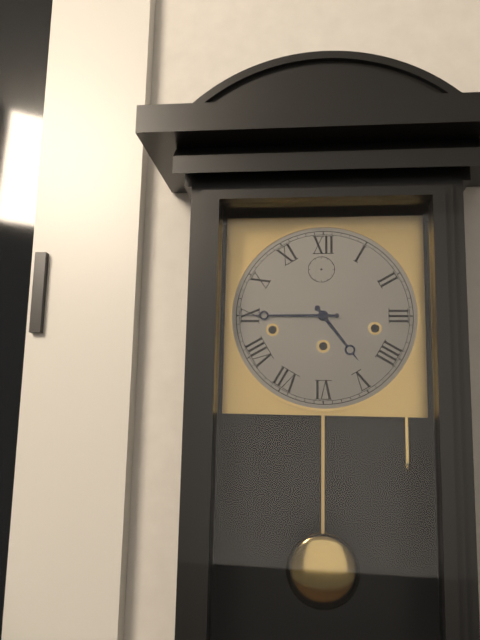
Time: {"hour": 4, "minute": 45}
